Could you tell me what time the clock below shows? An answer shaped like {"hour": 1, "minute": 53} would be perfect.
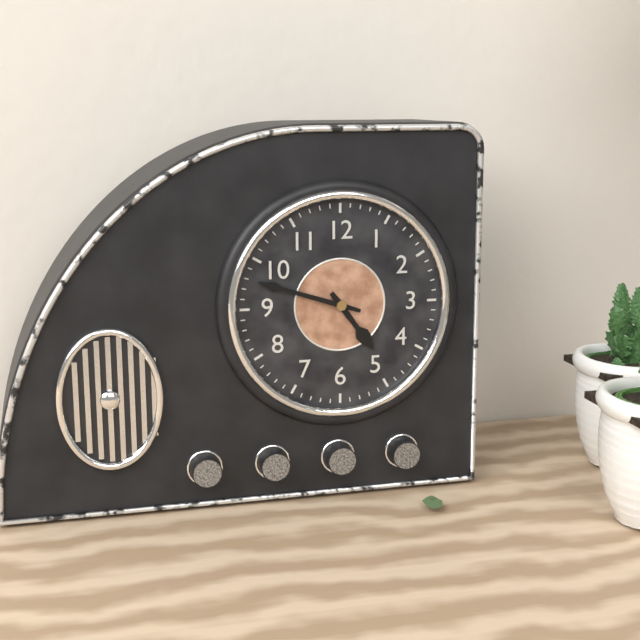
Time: {"hour": 4, "minute": 48}
